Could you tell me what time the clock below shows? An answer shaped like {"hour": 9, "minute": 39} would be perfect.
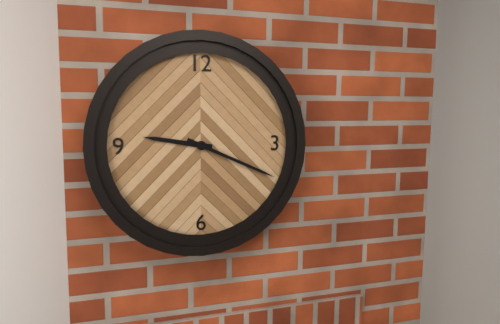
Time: {"hour": 9, "minute": 19}
